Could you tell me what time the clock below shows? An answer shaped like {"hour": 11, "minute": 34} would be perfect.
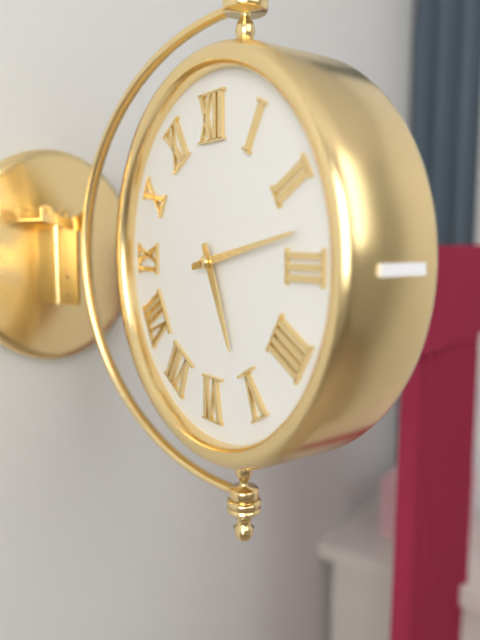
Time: {"hour": 5, "minute": 13}
